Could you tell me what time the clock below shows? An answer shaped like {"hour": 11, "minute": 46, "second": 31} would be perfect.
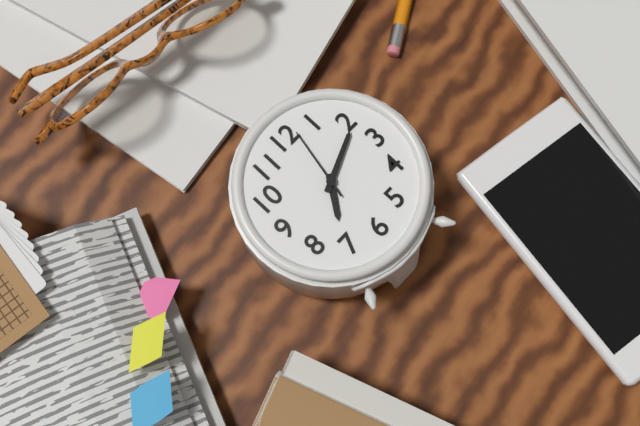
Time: {"hour": 7, "minute": 11, "second": 2}
